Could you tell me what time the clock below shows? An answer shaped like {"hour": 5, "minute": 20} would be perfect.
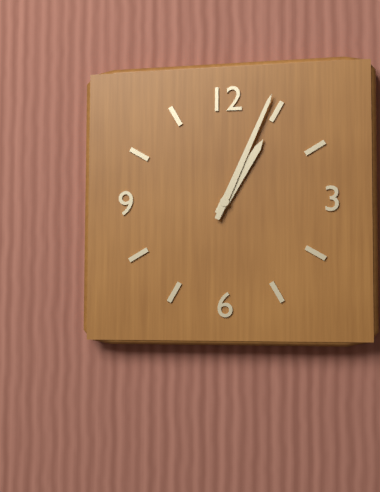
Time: {"hour": 1, "minute": 4}
